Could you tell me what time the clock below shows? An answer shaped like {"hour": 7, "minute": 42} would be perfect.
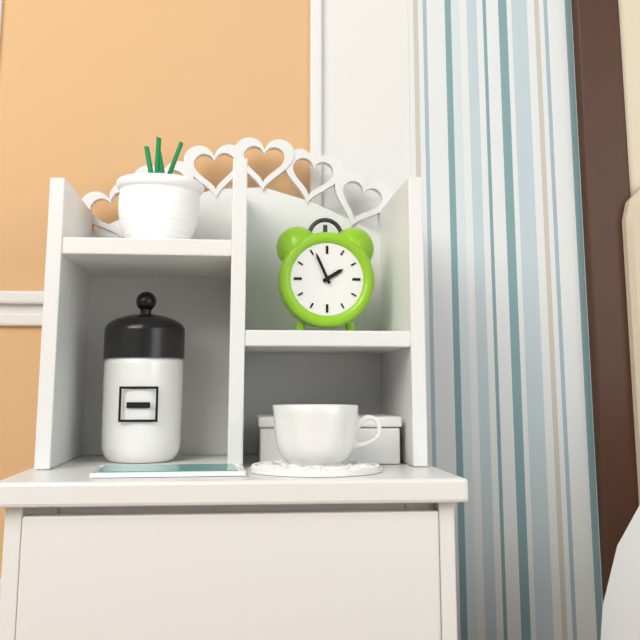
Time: {"hour": 1, "minute": 56}
